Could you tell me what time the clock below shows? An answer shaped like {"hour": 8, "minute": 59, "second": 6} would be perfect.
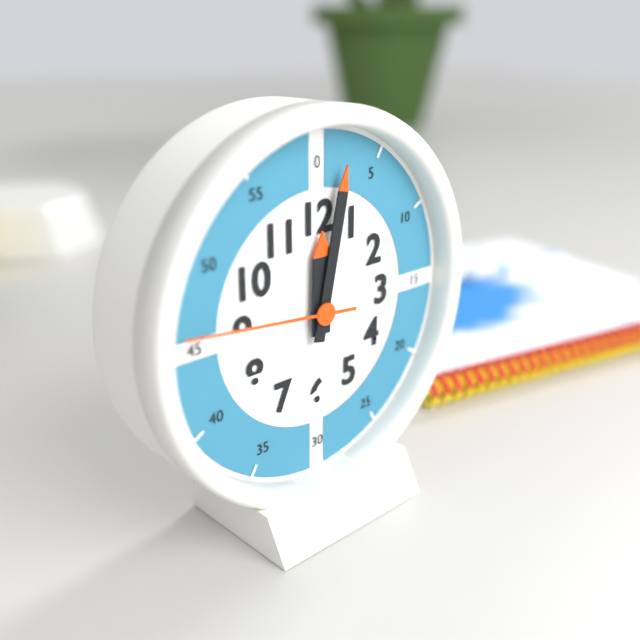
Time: {"hour": 12, "minute": 2, "second": 46}
